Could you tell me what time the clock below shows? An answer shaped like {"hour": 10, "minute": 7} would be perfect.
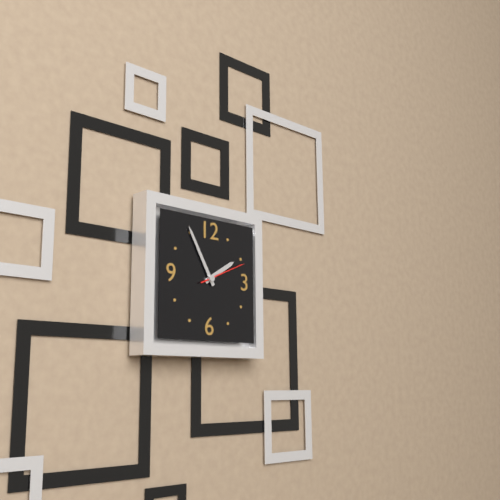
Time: {"hour": 1, "minute": 55}
